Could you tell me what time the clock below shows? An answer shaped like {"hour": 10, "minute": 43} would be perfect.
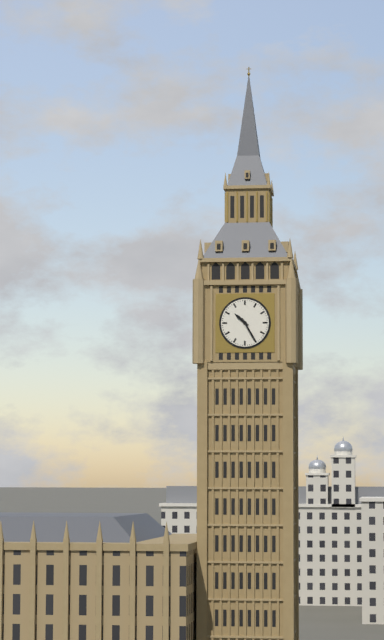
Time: {"hour": 10, "minute": 25}
